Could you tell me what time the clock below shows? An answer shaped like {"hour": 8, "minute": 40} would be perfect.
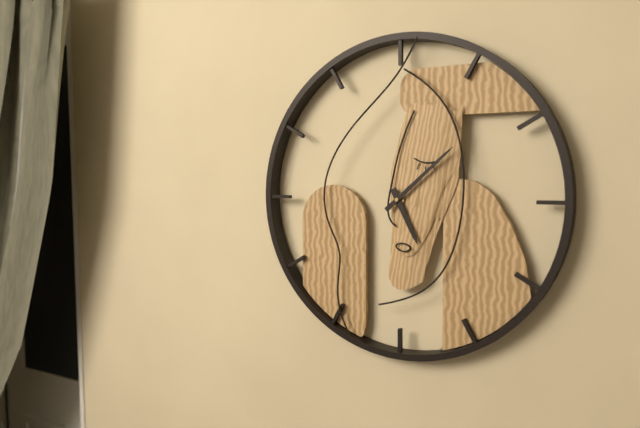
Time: {"hour": 5, "minute": 8}
